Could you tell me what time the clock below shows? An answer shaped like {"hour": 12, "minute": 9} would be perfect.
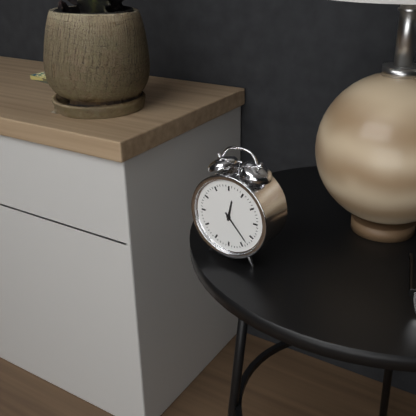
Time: {"hour": 12, "minute": 23}
